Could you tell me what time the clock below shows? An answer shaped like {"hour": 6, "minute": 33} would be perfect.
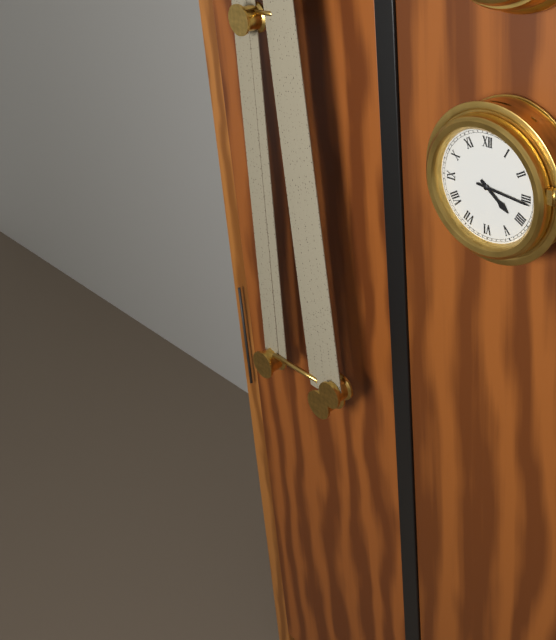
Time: {"hour": 4, "minute": 16}
